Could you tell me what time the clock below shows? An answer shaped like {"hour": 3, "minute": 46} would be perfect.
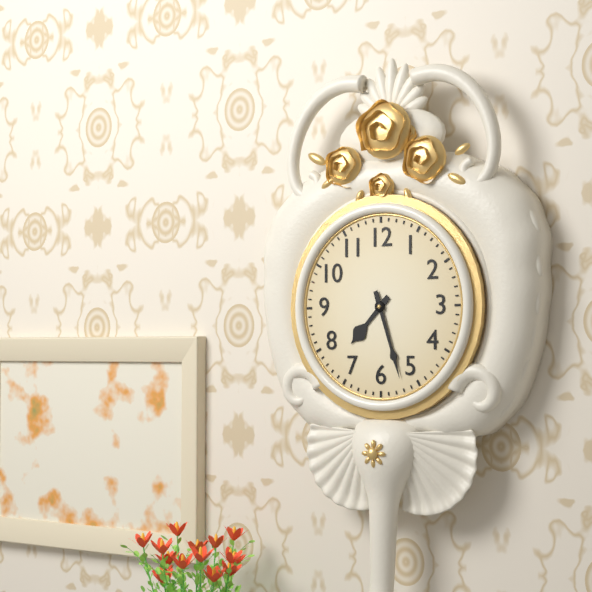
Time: {"hour": 7, "minute": 27}
